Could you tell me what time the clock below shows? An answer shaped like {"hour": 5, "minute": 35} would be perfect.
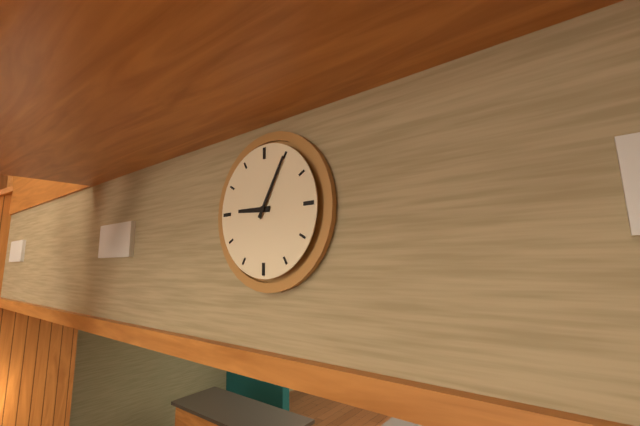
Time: {"hour": 9, "minute": 5}
